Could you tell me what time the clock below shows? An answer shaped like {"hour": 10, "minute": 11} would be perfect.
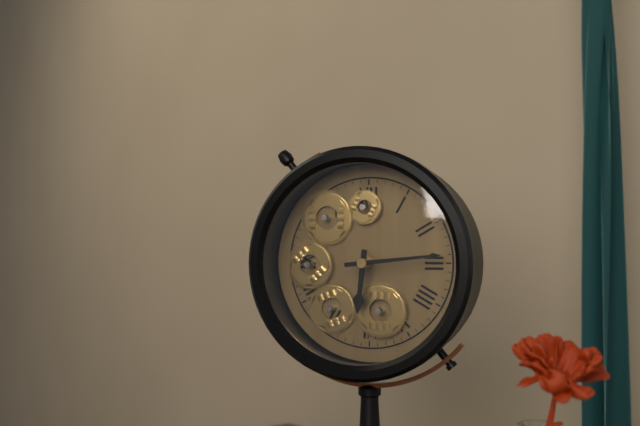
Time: {"hour": 6, "minute": 14}
